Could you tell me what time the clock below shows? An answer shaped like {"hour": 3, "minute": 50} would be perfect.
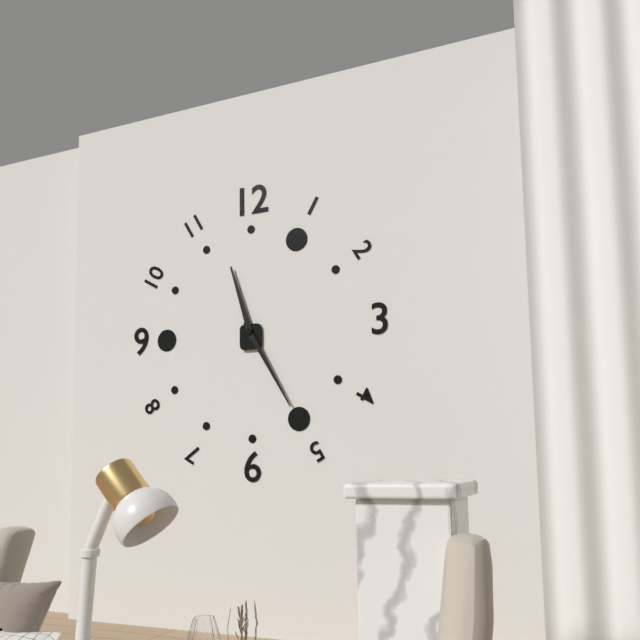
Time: {"hour": 11, "minute": 25}
